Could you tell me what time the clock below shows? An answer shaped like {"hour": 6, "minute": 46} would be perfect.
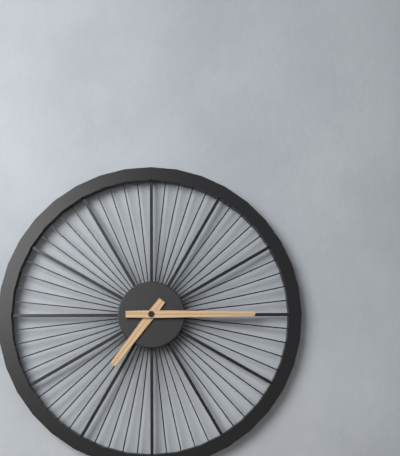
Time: {"hour": 7, "minute": 15}
